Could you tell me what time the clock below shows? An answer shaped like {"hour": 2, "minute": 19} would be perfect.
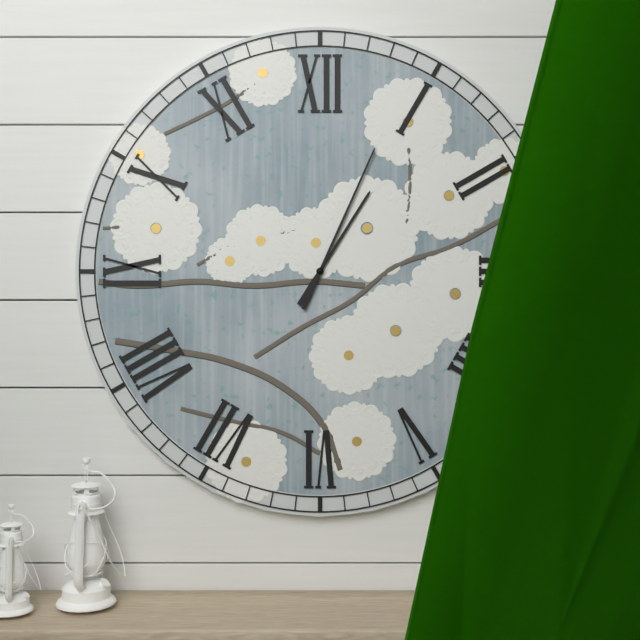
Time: {"hour": 1, "minute": 4}
